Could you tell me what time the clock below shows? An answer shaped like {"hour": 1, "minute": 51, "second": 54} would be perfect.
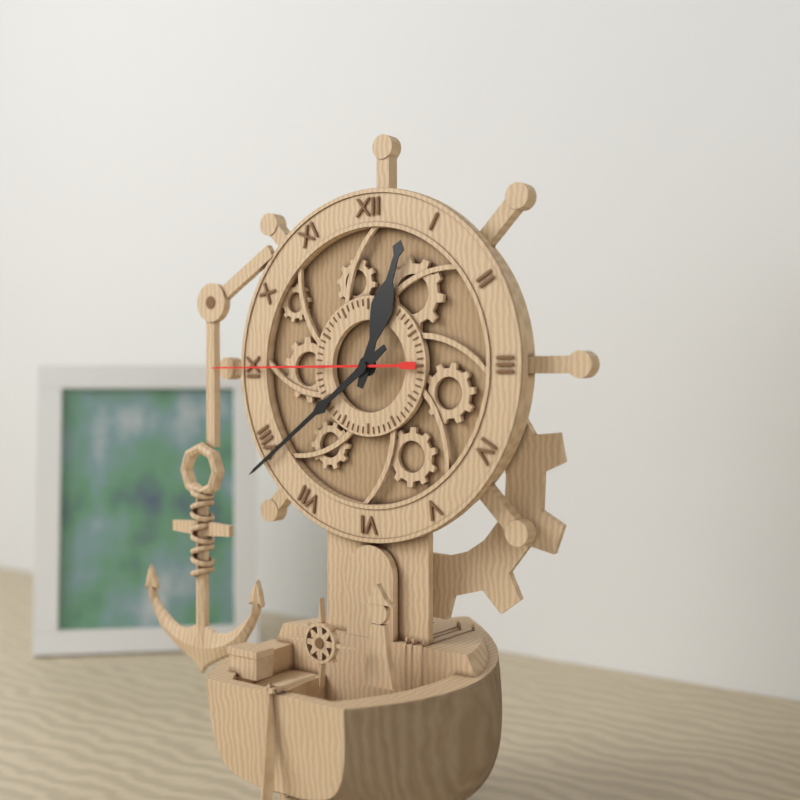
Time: {"hour": 12, "minute": 39, "second": 45}
